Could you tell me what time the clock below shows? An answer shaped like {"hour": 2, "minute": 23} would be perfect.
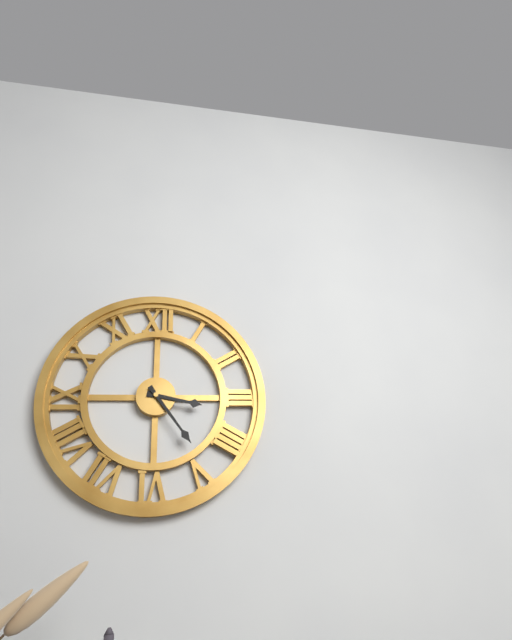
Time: {"hour": 3, "minute": 24}
